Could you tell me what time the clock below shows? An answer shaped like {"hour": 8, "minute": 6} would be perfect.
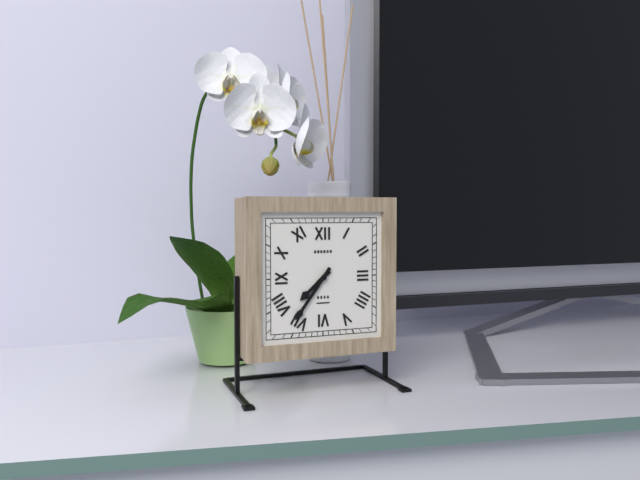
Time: {"hour": 7, "minute": 36}
